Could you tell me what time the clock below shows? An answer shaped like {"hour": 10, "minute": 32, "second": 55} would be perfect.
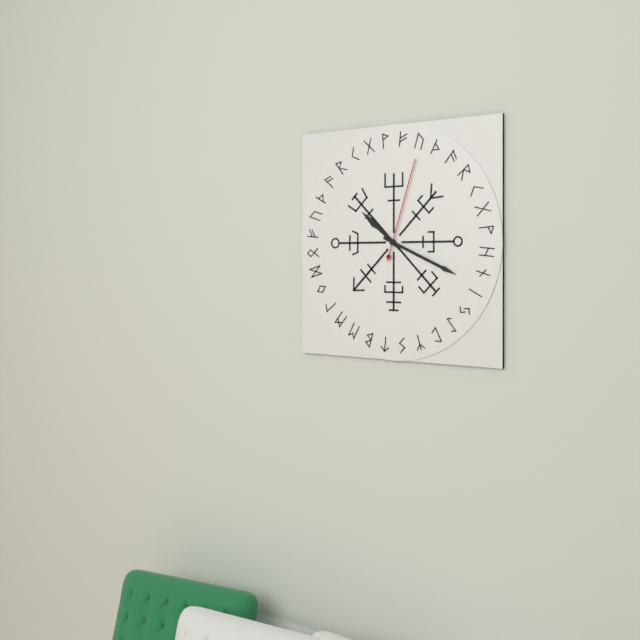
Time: {"hour": 10, "minute": 19, "second": 3}
